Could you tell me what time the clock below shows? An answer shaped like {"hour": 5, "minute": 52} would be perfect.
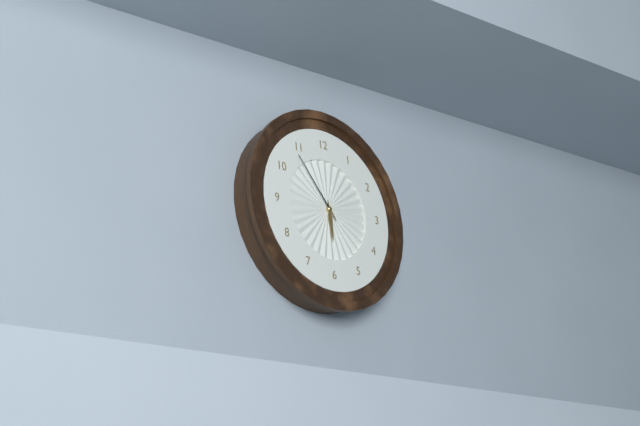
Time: {"hour": 5, "minute": 54}
